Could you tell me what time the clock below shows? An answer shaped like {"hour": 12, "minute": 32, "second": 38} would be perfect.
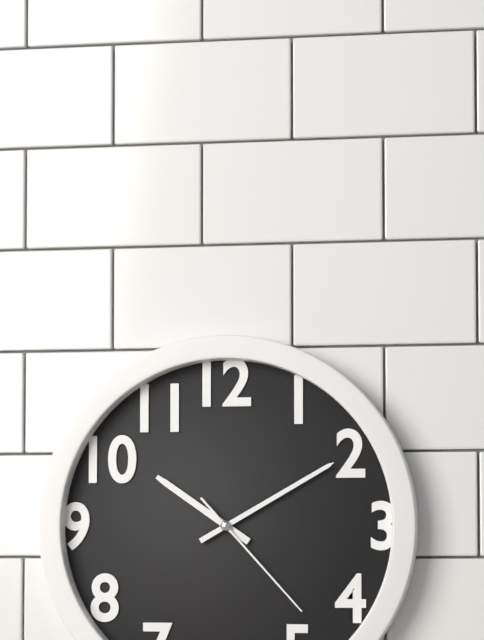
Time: {"hour": 10, "minute": 10, "second": 23}
